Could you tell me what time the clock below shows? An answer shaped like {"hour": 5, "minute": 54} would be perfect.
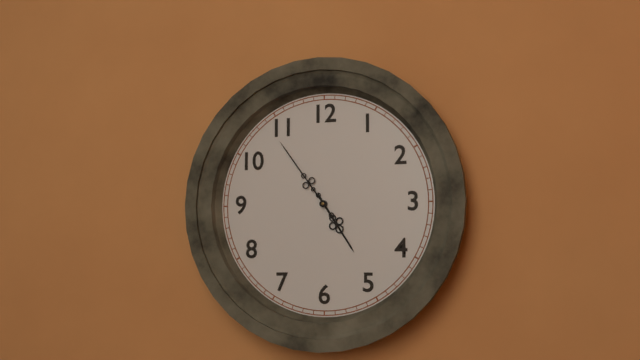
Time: {"hour": 4, "minute": 54}
